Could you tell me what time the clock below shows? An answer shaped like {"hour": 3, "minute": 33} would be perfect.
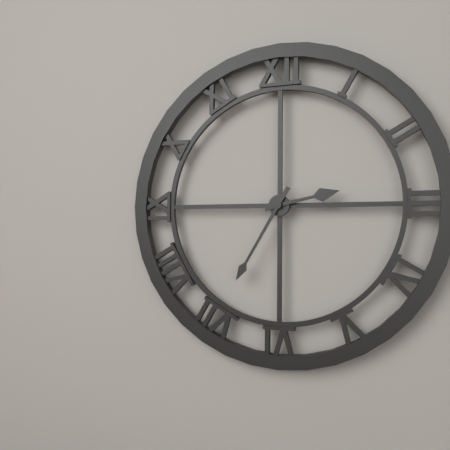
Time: {"hour": 2, "minute": 35}
